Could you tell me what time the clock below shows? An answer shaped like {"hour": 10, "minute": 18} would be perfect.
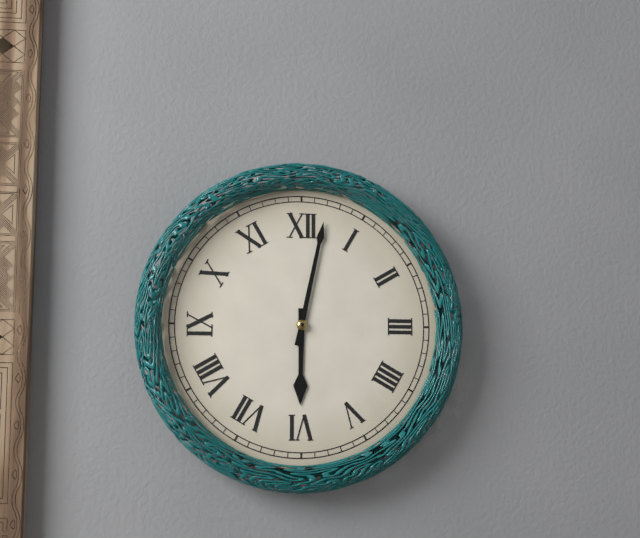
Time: {"hour": 6, "minute": 2}
